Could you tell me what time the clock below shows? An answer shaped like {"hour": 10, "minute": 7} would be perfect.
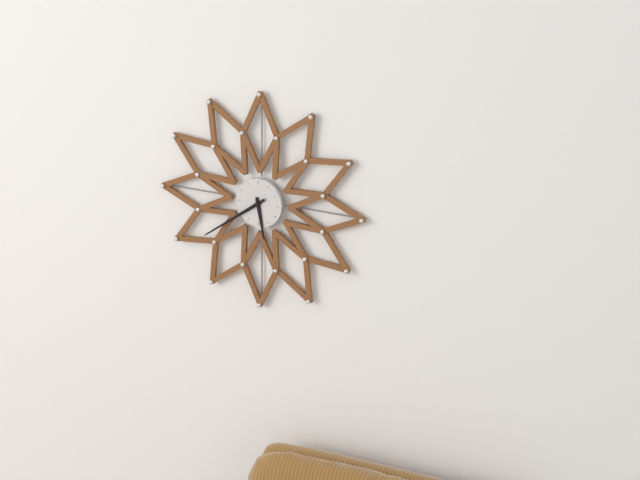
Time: {"hour": 5, "minute": 39}
